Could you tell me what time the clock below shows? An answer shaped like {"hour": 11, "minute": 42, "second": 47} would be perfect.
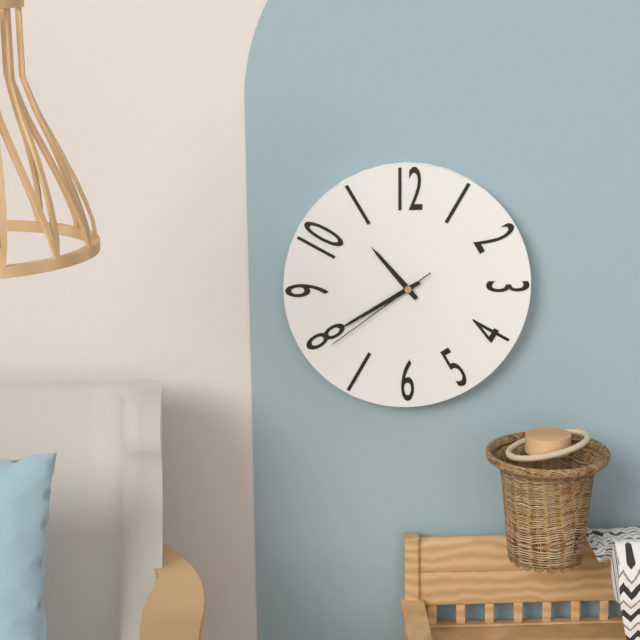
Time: {"hour": 10, "minute": 40, "second": 39}
